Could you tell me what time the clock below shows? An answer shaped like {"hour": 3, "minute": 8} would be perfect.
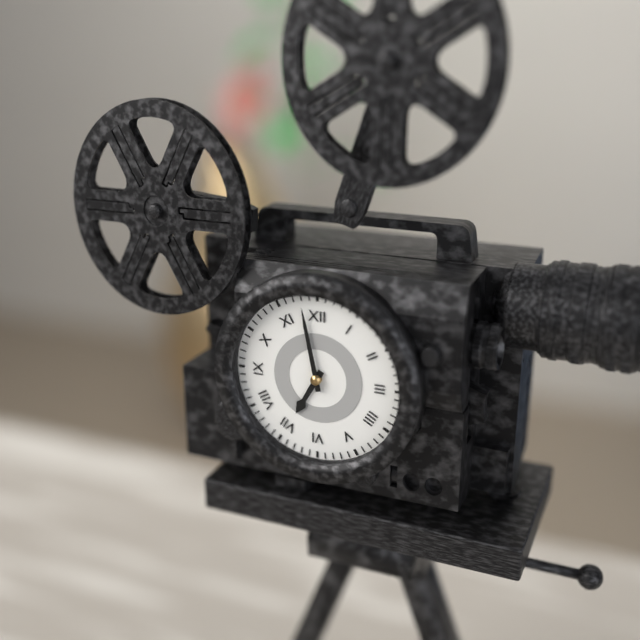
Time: {"hour": 6, "minute": 58}
